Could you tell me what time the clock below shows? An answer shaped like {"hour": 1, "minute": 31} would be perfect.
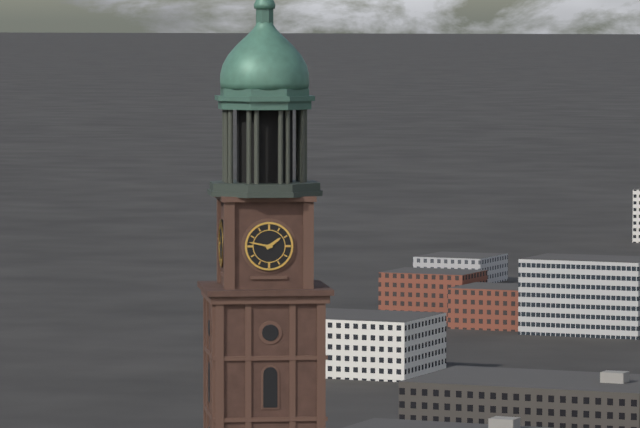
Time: {"hour": 1, "minute": 47}
